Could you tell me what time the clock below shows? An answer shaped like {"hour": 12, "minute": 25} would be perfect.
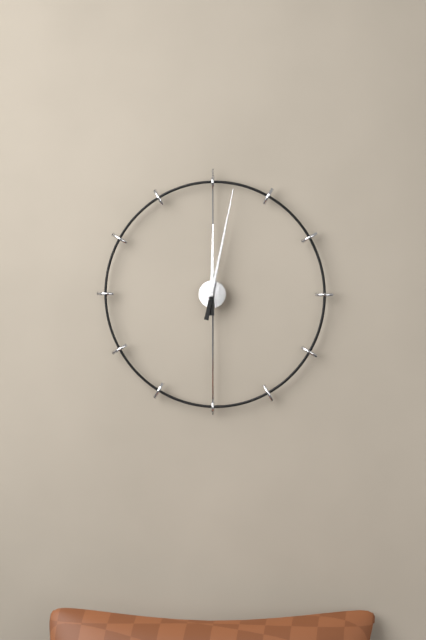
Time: {"hour": 12, "minute": 2}
